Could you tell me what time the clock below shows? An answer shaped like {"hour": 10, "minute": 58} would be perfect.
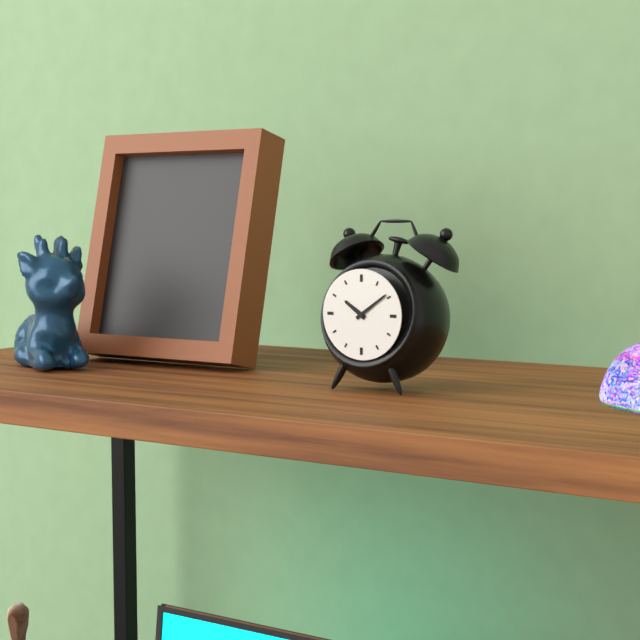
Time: {"hour": 10, "minute": 9}
